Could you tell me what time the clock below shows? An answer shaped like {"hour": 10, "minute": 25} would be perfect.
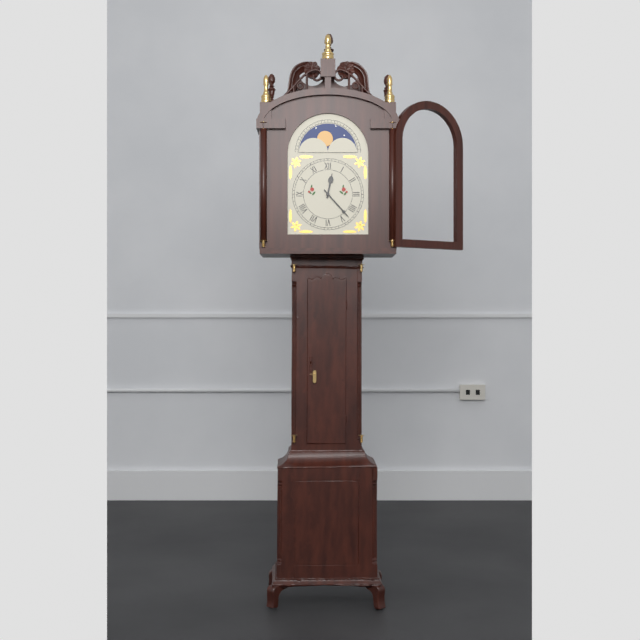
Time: {"hour": 12, "minute": 23}
